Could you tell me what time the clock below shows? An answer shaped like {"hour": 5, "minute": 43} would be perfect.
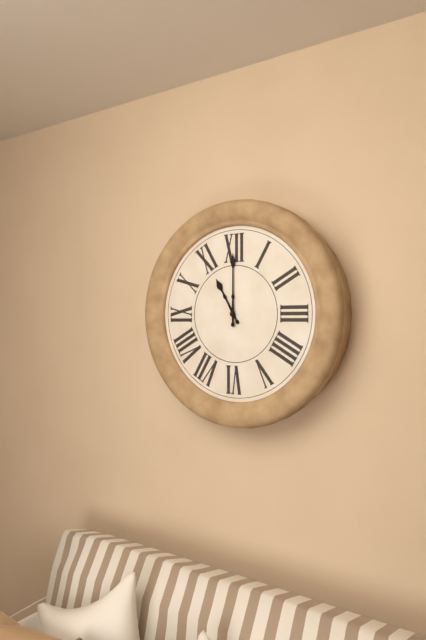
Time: {"hour": 11, "minute": 0}
